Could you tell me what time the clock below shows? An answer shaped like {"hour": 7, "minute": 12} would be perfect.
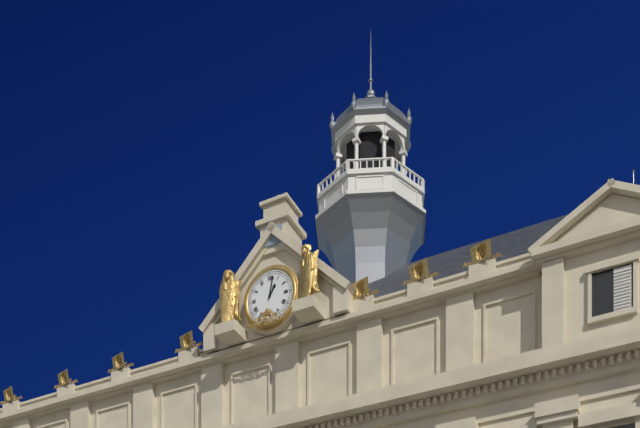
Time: {"hour": 1, "minute": 2}
